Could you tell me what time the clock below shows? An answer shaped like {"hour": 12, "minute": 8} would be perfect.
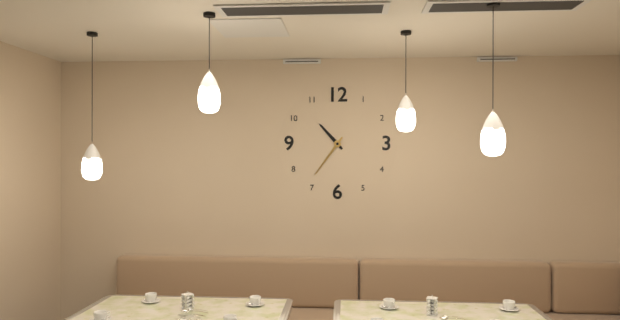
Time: {"hour": 10, "minute": 36}
